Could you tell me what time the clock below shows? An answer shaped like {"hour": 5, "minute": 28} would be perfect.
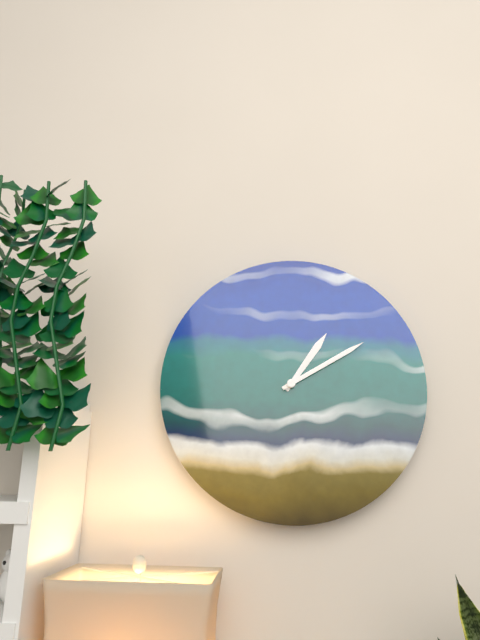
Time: {"hour": 1, "minute": 10}
